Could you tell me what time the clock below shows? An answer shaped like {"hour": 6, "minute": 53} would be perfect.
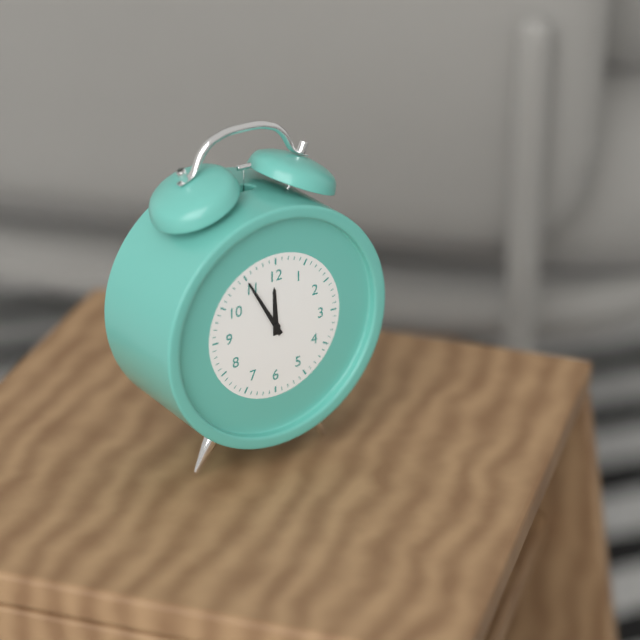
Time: {"hour": 11, "minute": 55}
